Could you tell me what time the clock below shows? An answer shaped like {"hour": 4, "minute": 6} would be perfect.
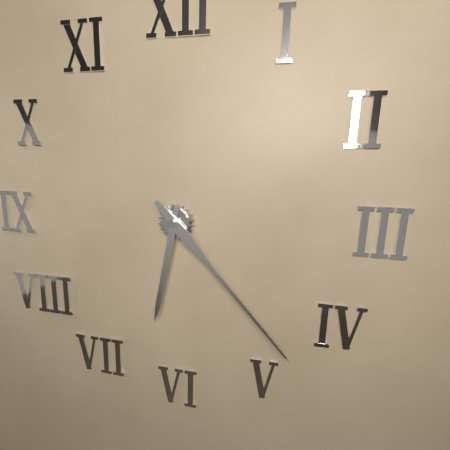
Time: {"hour": 6, "minute": 23}
